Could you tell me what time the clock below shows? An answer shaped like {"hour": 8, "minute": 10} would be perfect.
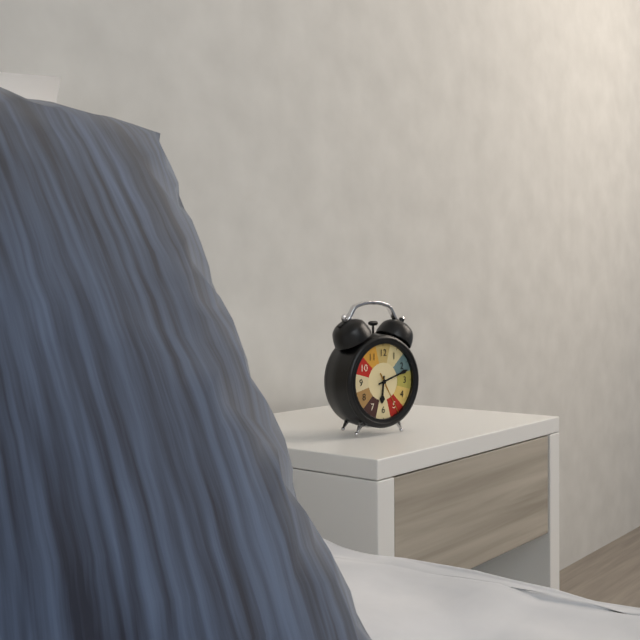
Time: {"hour": 6, "minute": 12}
